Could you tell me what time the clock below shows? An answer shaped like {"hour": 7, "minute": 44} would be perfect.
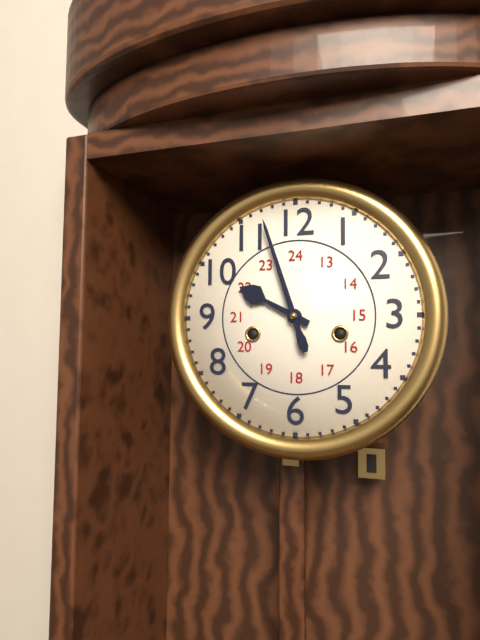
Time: {"hour": 9, "minute": 57}
